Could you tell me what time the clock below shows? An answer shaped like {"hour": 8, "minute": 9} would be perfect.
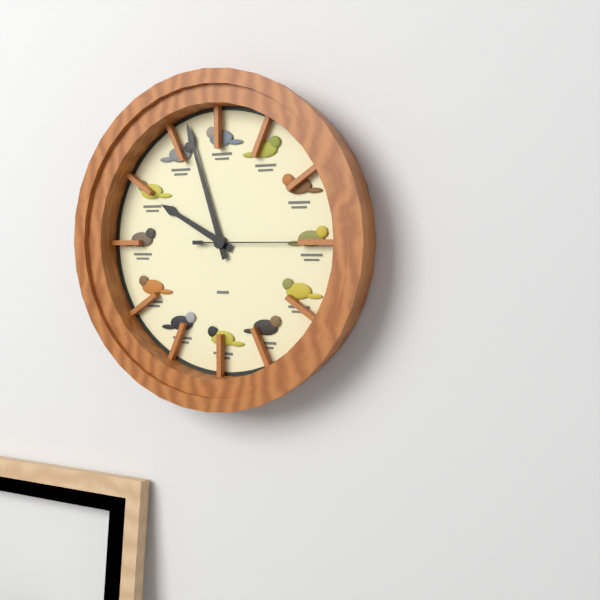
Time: {"hour": 9, "minute": 57}
